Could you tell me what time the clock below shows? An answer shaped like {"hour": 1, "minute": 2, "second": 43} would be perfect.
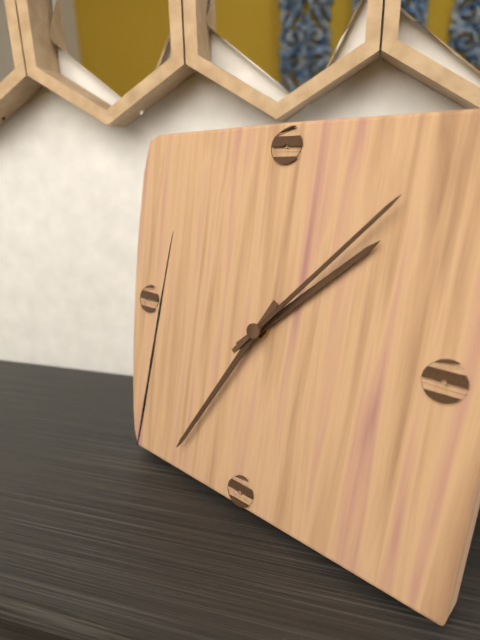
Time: {"hour": 1, "minute": 35, "second": 7}
